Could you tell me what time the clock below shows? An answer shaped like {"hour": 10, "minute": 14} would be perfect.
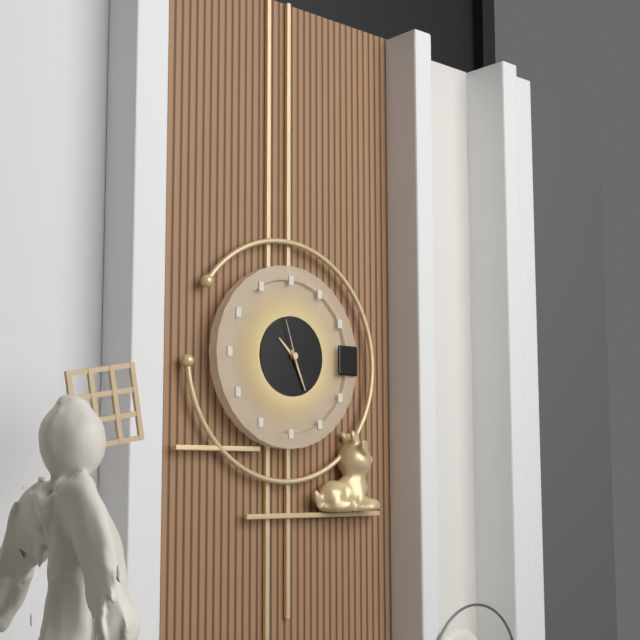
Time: {"hour": 10, "minute": 26}
